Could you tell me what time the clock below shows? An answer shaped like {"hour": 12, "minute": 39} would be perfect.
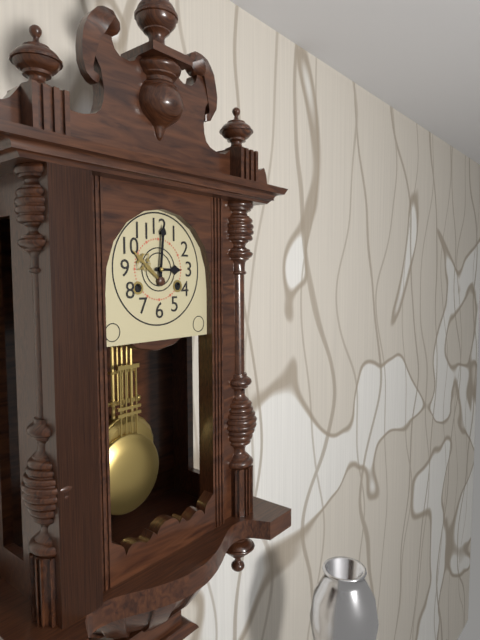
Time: {"hour": 3, "minute": 1}
